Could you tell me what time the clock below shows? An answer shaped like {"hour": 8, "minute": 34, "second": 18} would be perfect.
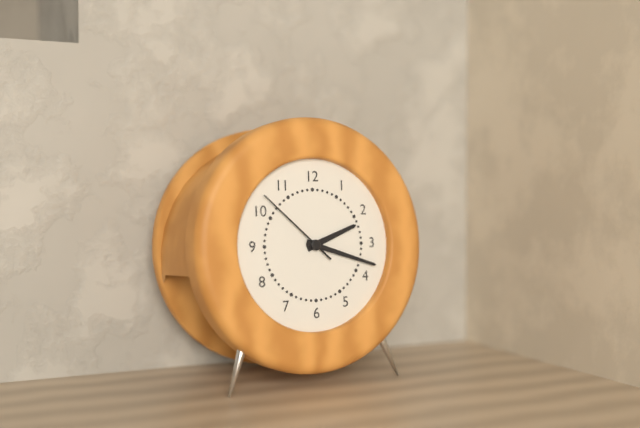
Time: {"hour": 2, "minute": 18, "second": 52}
